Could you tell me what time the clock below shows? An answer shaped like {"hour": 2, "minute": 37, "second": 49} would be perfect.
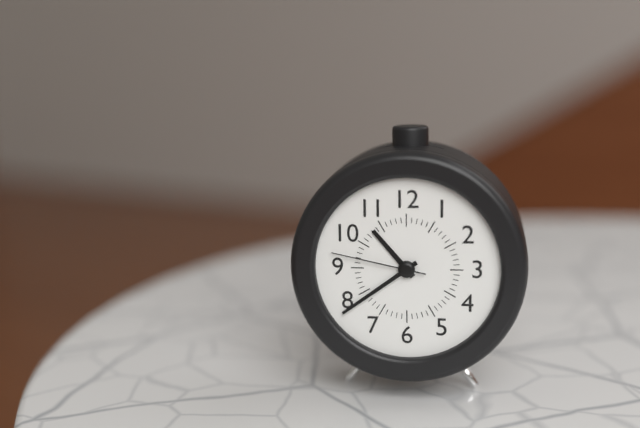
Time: {"hour": 10, "minute": 39, "second": 47}
